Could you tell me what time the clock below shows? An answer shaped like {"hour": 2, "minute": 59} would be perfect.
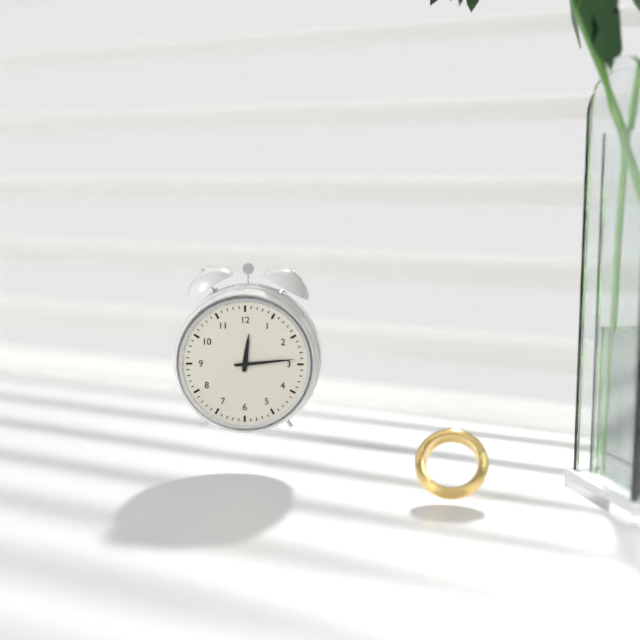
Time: {"hour": 12, "minute": 14}
